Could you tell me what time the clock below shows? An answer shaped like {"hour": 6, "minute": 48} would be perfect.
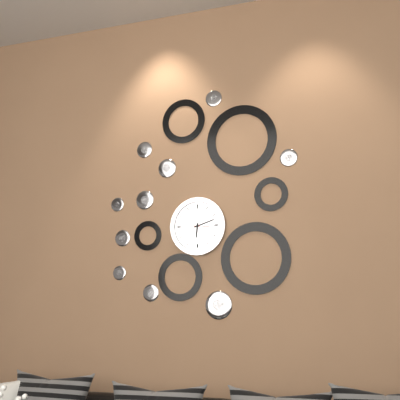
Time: {"hour": 6, "minute": 12}
